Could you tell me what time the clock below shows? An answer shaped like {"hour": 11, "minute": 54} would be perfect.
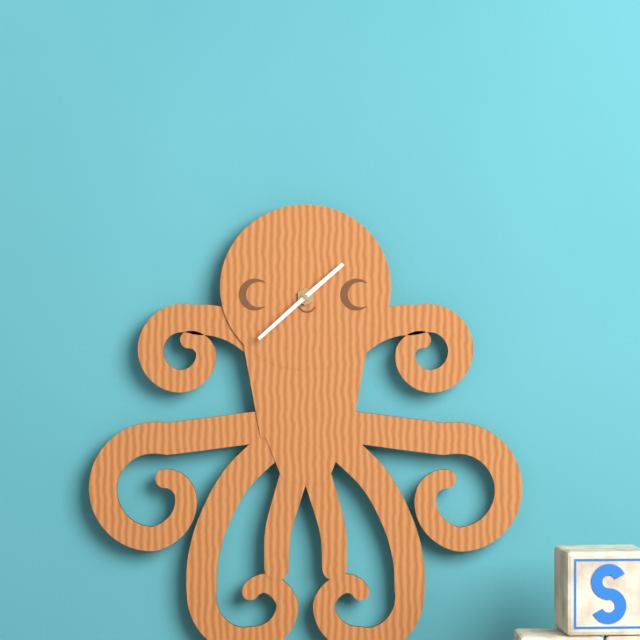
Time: {"hour": 1, "minute": 38}
